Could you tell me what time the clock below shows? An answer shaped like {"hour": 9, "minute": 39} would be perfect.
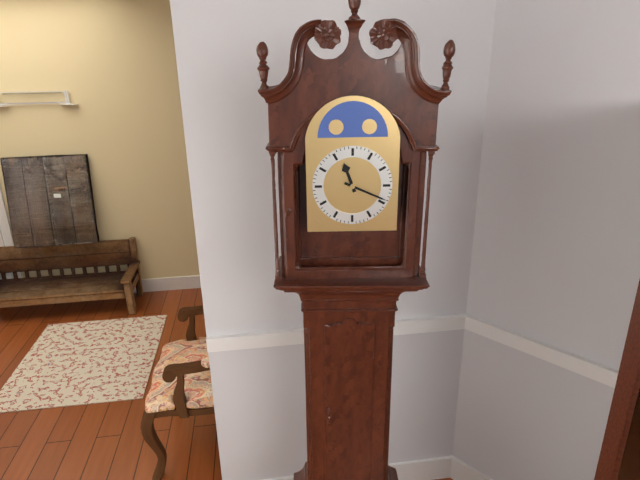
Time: {"hour": 11, "minute": 19}
